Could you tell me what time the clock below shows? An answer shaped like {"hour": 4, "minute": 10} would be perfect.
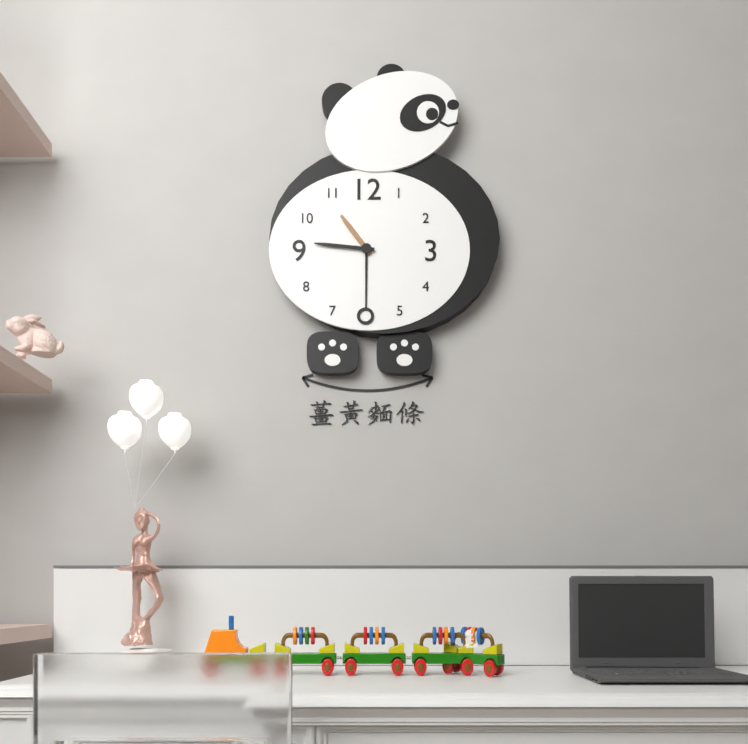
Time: {"hour": 10, "minute": 46}
